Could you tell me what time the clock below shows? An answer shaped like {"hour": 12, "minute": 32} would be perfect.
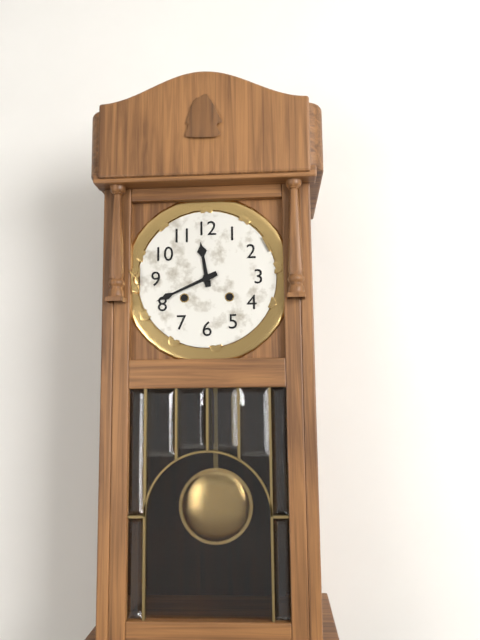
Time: {"hour": 11, "minute": 41}
